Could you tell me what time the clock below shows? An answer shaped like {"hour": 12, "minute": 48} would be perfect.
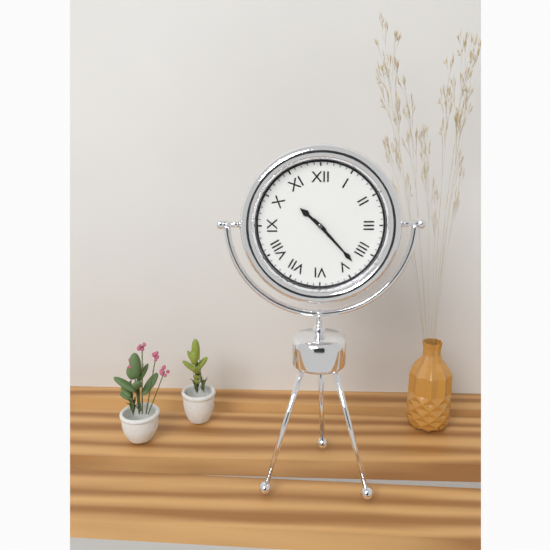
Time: {"hour": 10, "minute": 23}
